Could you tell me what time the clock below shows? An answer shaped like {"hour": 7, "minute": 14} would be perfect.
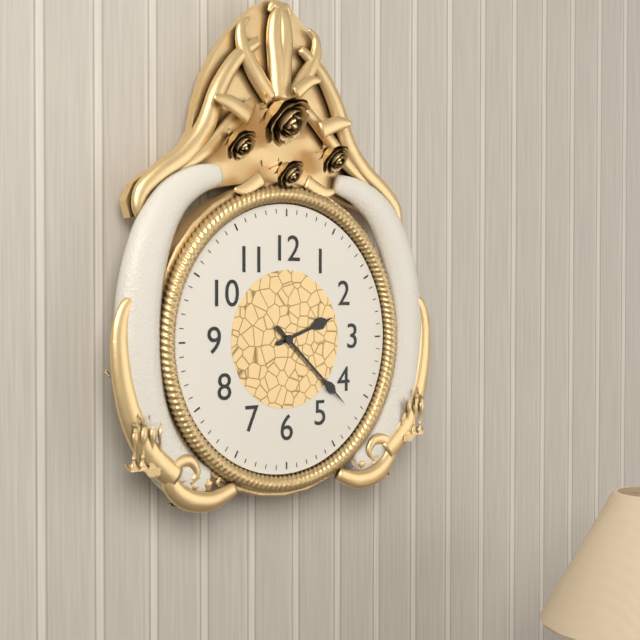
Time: {"hour": 2, "minute": 22}
